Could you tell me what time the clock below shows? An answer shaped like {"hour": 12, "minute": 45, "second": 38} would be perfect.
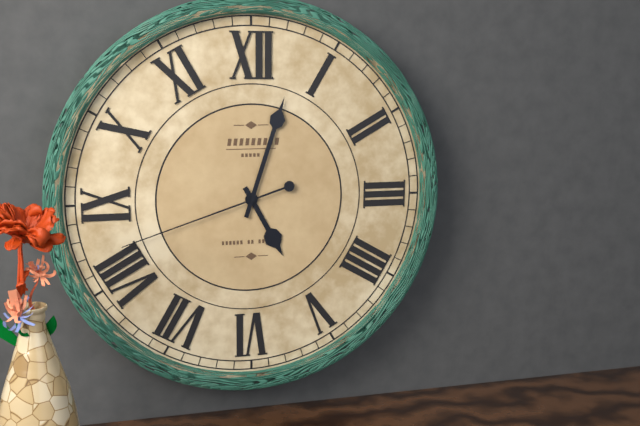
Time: {"hour": 5, "minute": 3, "second": 42}
